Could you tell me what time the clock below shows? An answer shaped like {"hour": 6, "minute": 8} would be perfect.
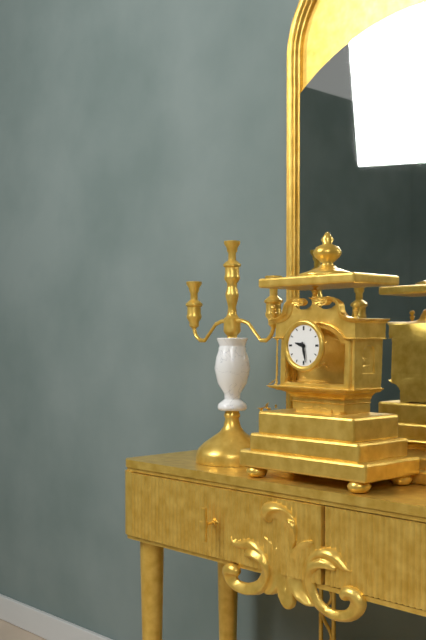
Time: {"hour": 9, "minute": 28}
